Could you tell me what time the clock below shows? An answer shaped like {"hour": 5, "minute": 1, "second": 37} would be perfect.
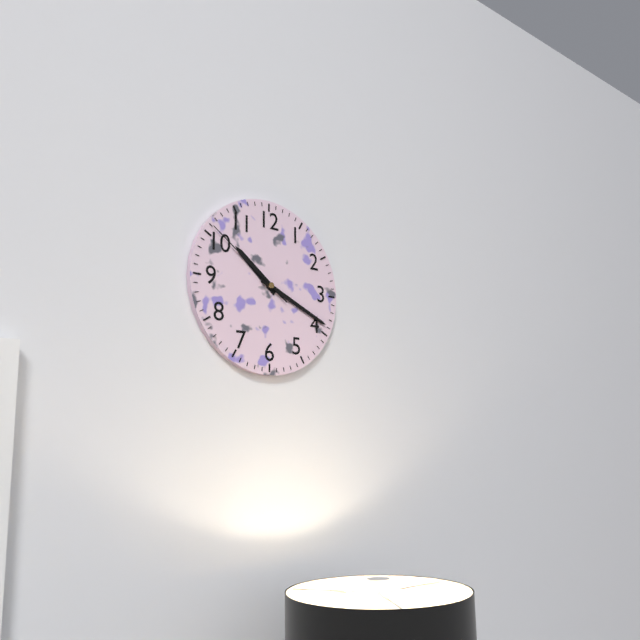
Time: {"hour": 10, "minute": 19, "second": 51}
